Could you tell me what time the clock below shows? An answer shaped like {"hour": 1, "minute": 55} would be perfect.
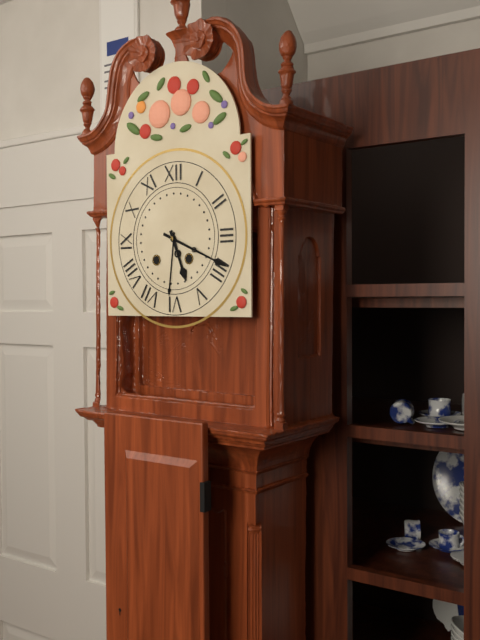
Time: {"hour": 5, "minute": 19}
